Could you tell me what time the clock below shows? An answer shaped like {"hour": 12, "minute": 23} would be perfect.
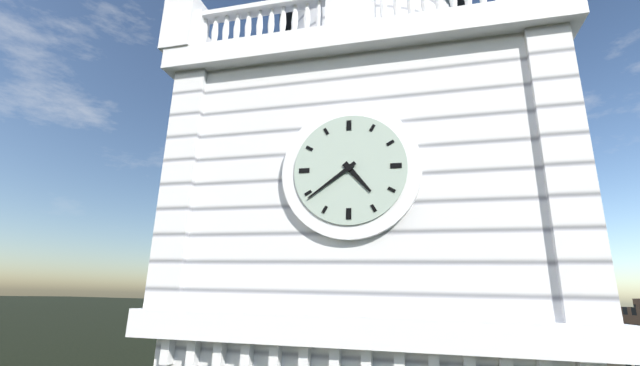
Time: {"hour": 4, "minute": 39}
